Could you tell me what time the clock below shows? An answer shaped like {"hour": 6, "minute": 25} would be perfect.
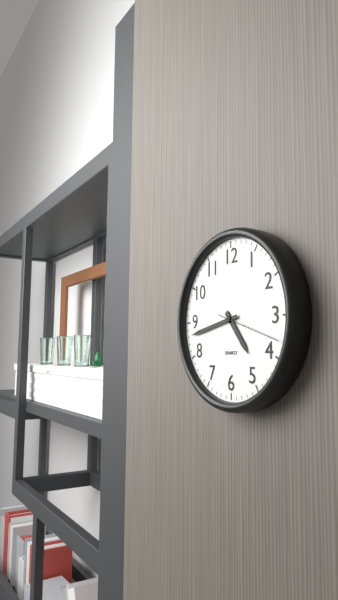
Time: {"hour": 4, "minute": 43}
